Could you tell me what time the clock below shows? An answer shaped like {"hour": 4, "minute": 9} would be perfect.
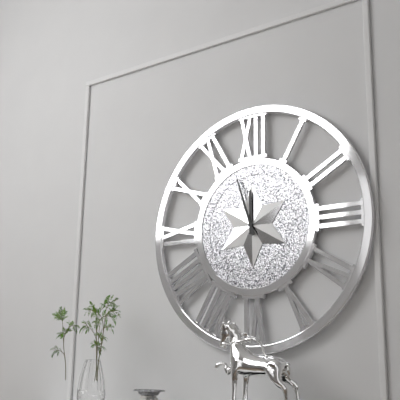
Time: {"hour": 11, "minute": 57}
